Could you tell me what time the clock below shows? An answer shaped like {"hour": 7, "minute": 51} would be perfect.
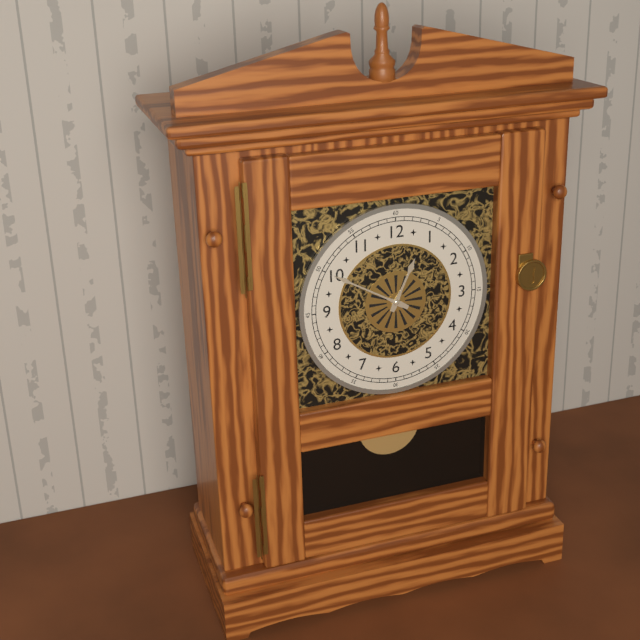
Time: {"hour": 12, "minute": 50}
